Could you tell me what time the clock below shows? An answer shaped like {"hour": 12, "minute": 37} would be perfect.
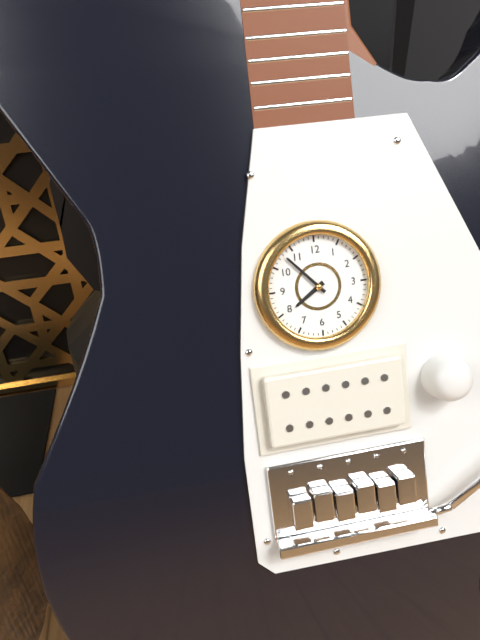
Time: {"hour": 7, "minute": 53}
